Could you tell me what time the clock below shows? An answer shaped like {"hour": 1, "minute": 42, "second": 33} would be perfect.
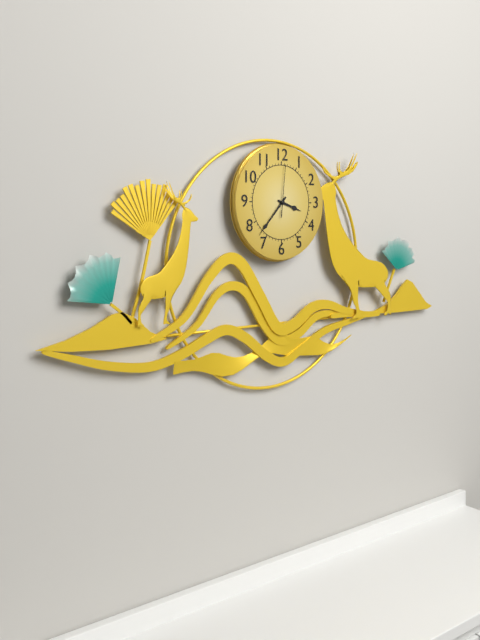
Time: {"hour": 3, "minute": 37, "second": 1}
